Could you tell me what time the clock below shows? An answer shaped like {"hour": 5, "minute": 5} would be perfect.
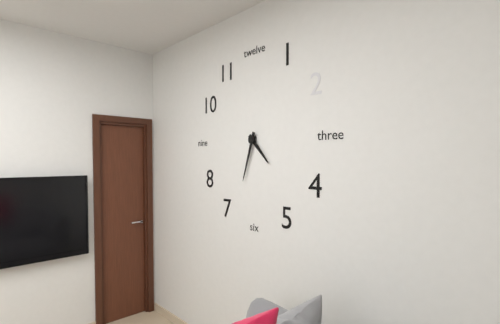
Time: {"hour": 4, "minute": 33}
